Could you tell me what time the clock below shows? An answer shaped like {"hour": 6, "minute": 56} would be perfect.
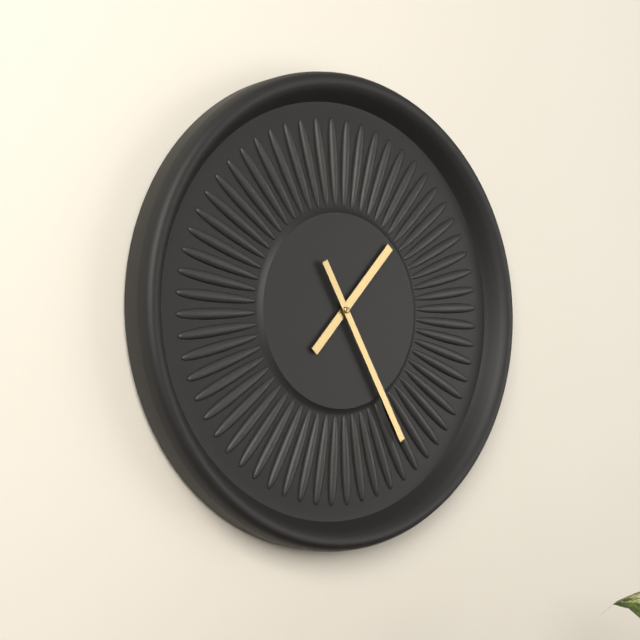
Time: {"hour": 1, "minute": 25}
